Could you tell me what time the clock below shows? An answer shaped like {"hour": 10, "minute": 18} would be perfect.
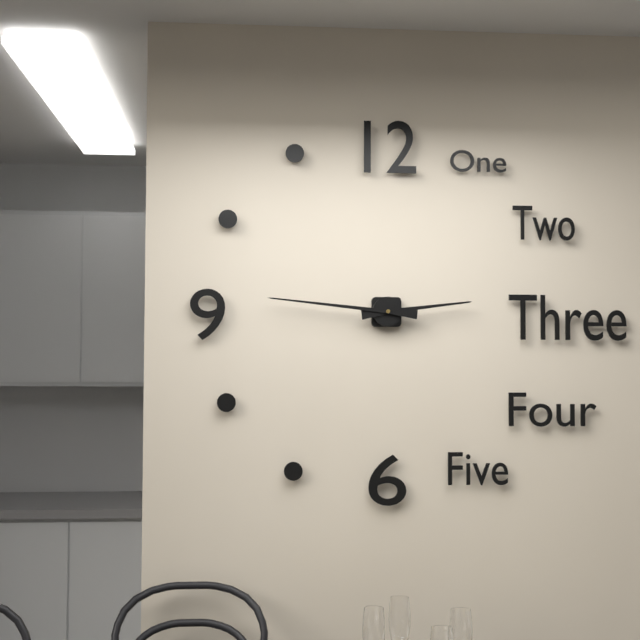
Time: {"hour": 2, "minute": 46}
